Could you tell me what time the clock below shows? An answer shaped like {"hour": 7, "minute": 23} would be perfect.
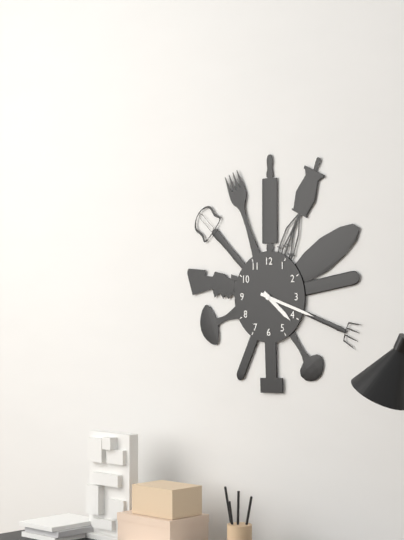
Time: {"hour": 4, "minute": 18}
